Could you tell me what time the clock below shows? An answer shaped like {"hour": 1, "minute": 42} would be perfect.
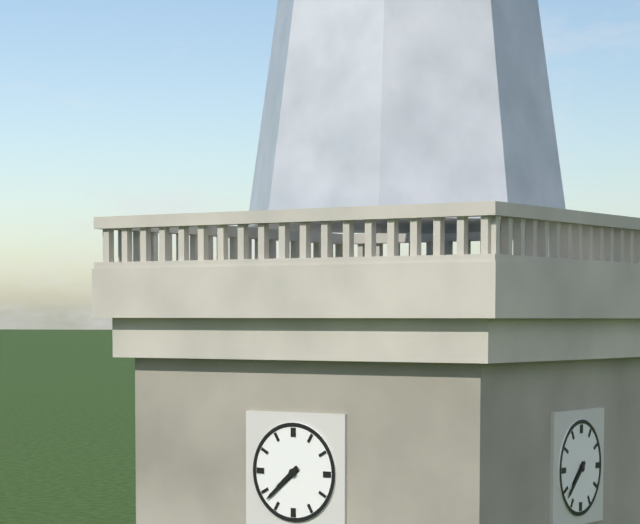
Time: {"hour": 7, "minute": 38}
